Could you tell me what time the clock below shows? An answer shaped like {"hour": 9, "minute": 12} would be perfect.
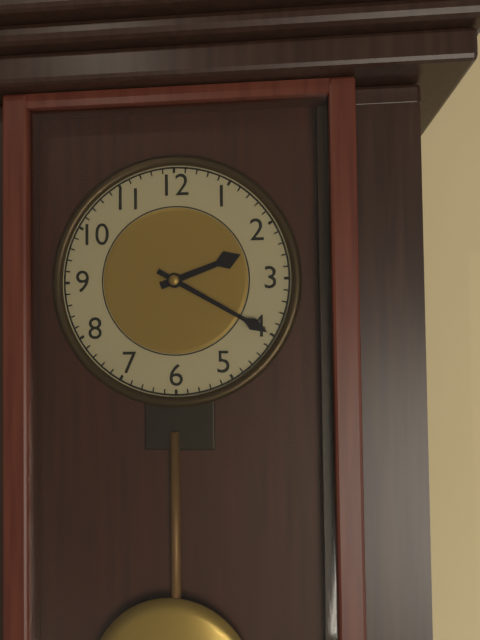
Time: {"hour": 2, "minute": 20}
